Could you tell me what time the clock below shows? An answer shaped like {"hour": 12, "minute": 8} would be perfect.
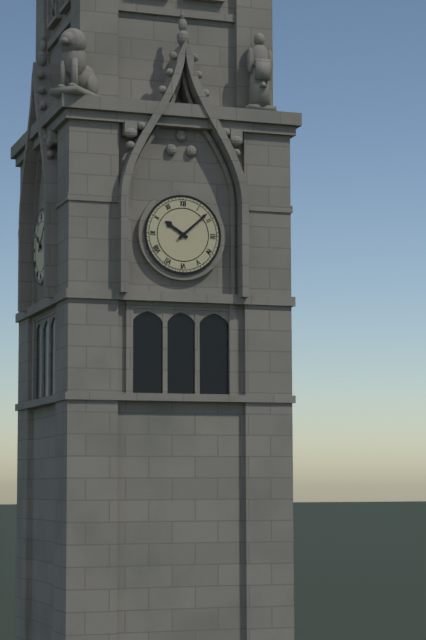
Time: {"hour": 10, "minute": 8}
